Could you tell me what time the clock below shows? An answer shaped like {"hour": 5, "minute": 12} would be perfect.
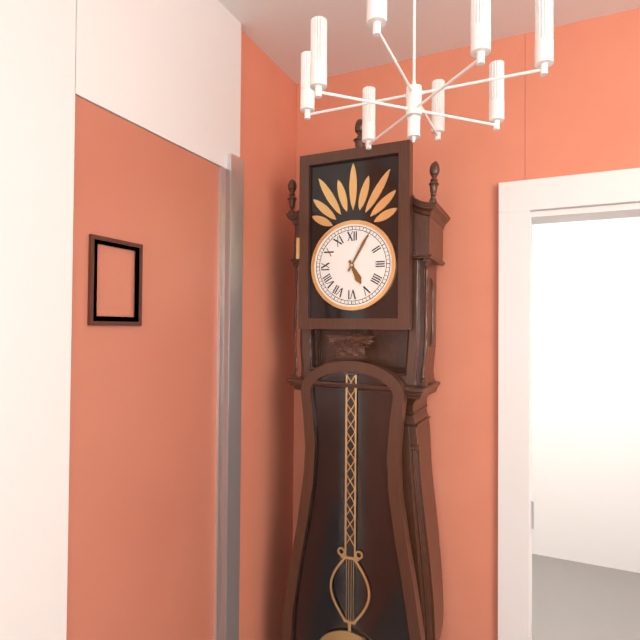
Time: {"hour": 5, "minute": 5}
